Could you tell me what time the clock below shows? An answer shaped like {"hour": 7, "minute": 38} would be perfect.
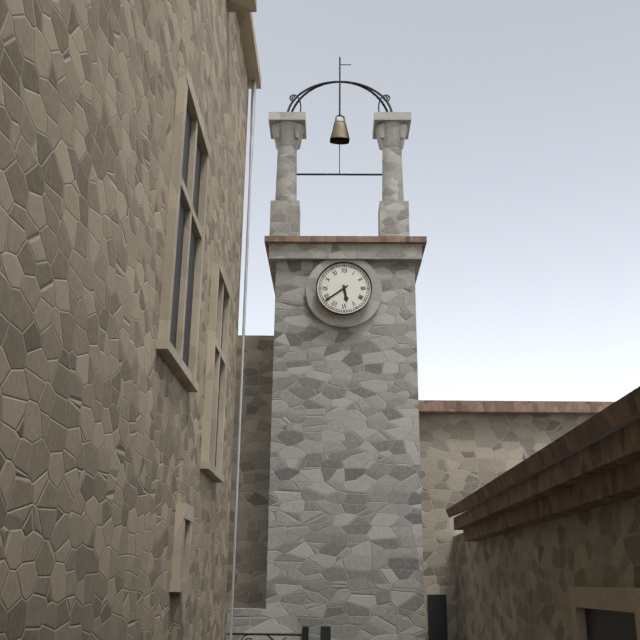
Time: {"hour": 5, "minute": 39}
